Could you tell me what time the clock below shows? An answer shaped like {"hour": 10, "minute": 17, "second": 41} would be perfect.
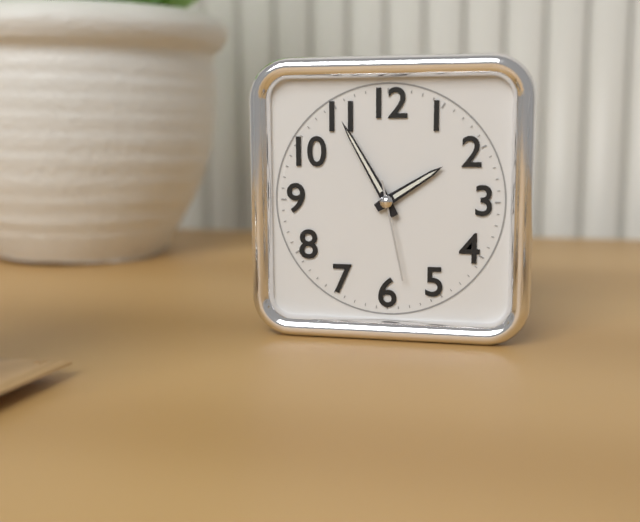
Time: {"hour": 1, "minute": 55, "second": 28}
